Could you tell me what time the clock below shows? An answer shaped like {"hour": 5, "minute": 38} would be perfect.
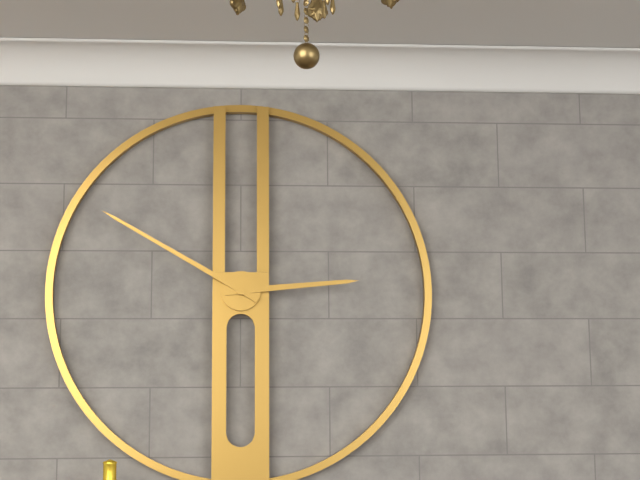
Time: {"hour": 2, "minute": 50}
